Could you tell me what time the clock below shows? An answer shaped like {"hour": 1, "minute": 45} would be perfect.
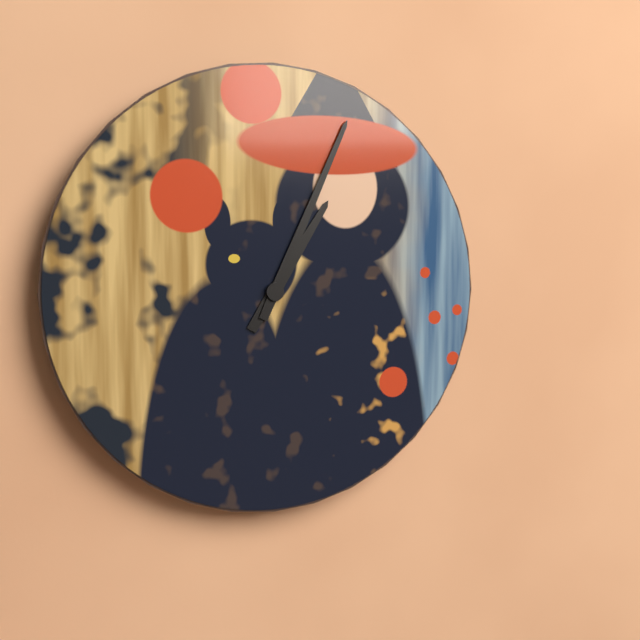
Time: {"hour": 1, "minute": 4}
